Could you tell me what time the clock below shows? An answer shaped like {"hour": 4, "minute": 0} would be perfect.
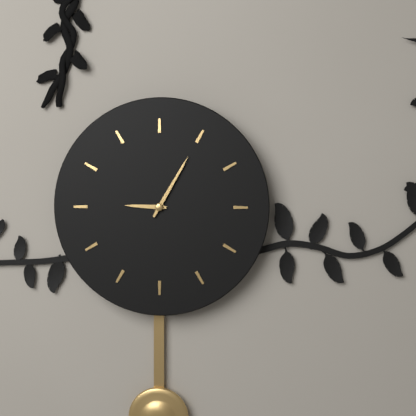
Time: {"hour": 9, "minute": 5}
